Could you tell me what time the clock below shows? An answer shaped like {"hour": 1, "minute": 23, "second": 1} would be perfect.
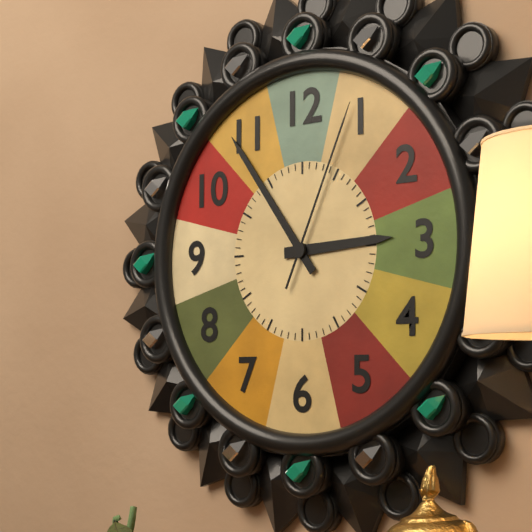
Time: {"hour": 2, "minute": 54, "second": 4}
